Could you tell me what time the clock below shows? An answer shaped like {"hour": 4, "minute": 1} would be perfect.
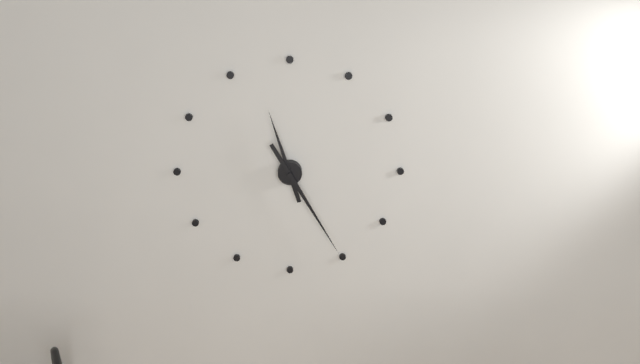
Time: {"hour": 11, "minute": 25}
